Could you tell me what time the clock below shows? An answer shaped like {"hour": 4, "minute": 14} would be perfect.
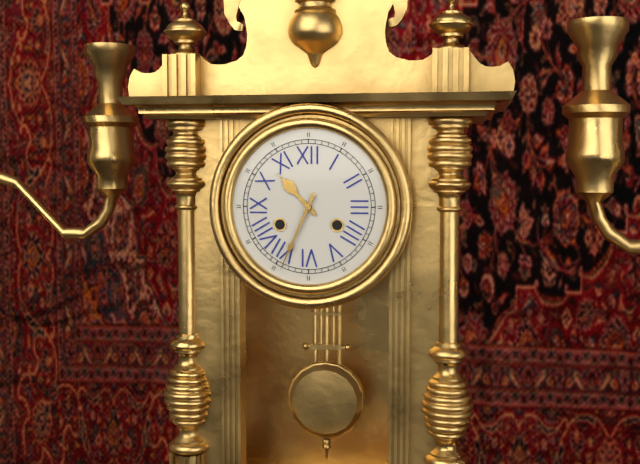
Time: {"hour": 10, "minute": 34}
